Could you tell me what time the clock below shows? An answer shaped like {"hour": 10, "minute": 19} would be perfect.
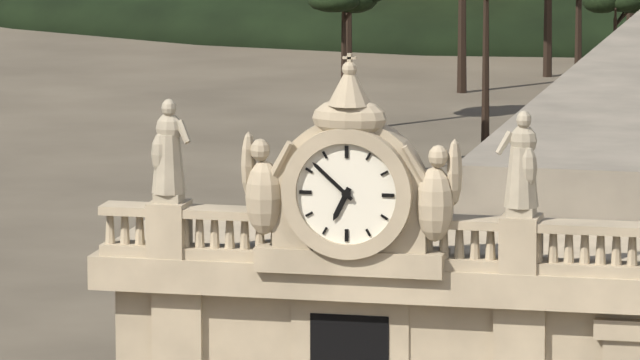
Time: {"hour": 6, "minute": 52}
